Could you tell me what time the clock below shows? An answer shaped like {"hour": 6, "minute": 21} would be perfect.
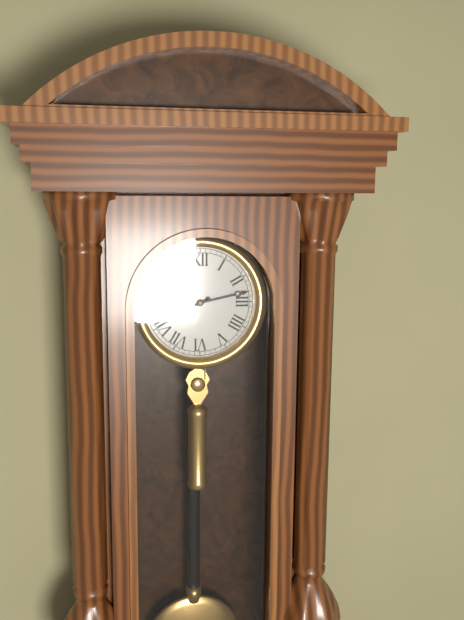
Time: {"hour": 8, "minute": 13}
